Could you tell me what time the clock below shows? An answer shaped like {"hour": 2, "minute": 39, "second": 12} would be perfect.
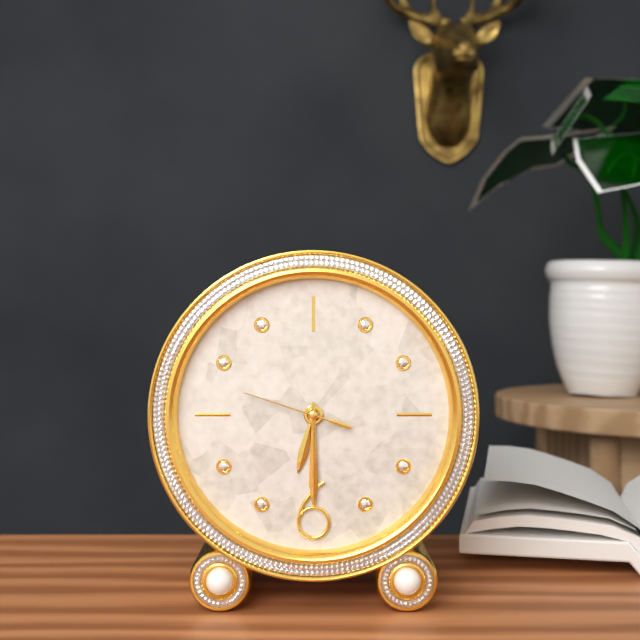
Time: {"hour": 6, "minute": 30, "second": 48}
